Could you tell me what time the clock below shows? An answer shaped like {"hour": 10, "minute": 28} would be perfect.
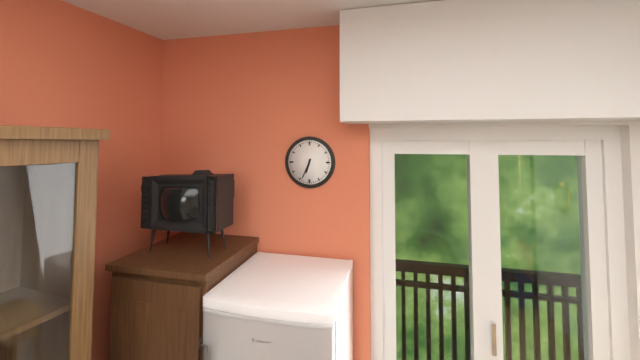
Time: {"hour": 6, "minute": 34}
